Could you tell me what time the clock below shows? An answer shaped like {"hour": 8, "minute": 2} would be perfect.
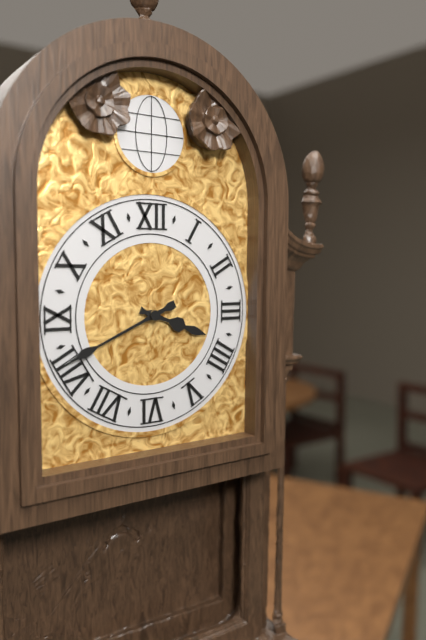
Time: {"hour": 3, "minute": 41}
